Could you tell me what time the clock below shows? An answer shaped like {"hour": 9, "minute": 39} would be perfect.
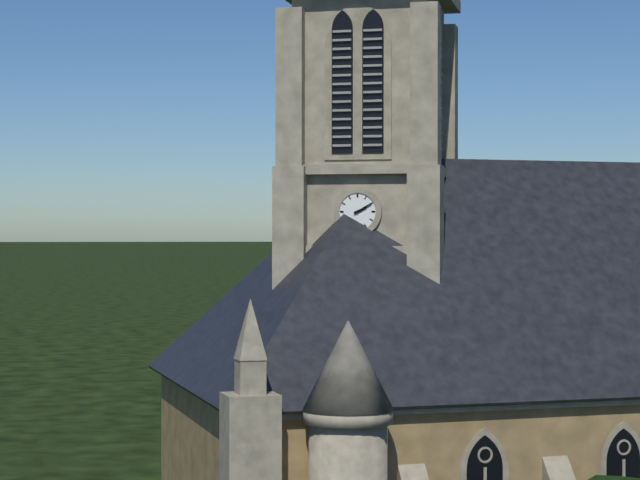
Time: {"hour": 2, "minute": 10}
